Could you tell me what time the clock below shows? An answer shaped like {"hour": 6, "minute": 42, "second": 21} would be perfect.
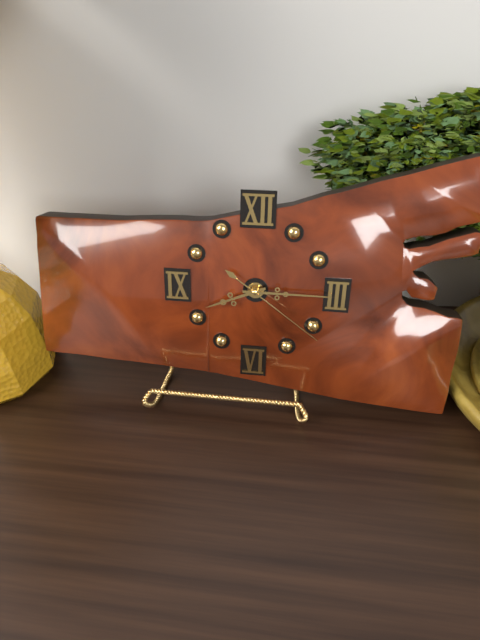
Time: {"hour": 8, "minute": 15, "second": 21}
